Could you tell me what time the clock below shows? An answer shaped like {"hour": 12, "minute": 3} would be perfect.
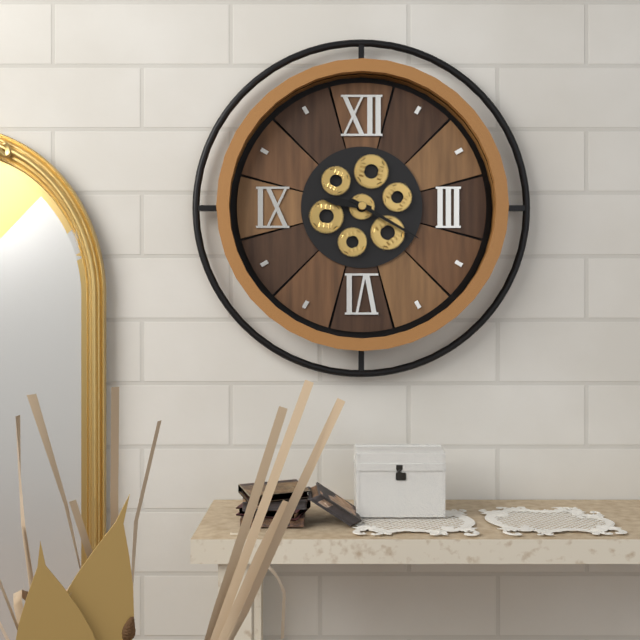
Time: {"hour": 9, "minute": 20}
